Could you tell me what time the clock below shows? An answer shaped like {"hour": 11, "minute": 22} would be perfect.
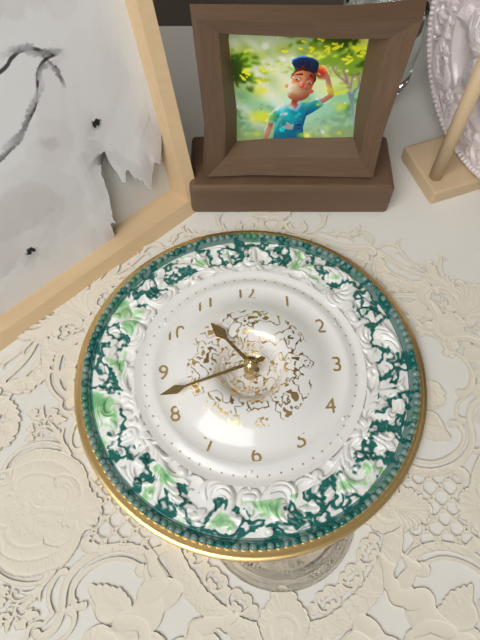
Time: {"hour": 10, "minute": 42}
